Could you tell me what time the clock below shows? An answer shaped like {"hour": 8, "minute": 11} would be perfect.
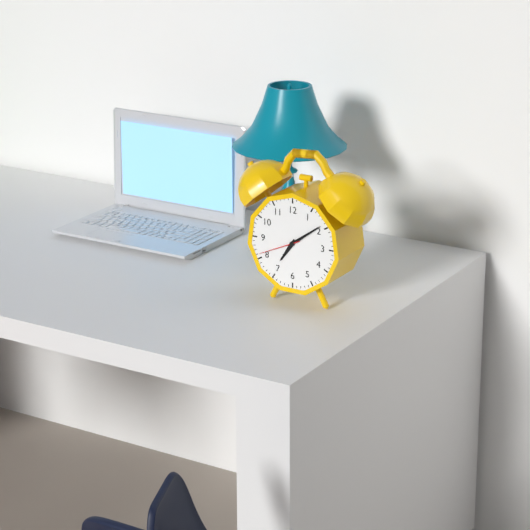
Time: {"hour": 7, "minute": 9}
